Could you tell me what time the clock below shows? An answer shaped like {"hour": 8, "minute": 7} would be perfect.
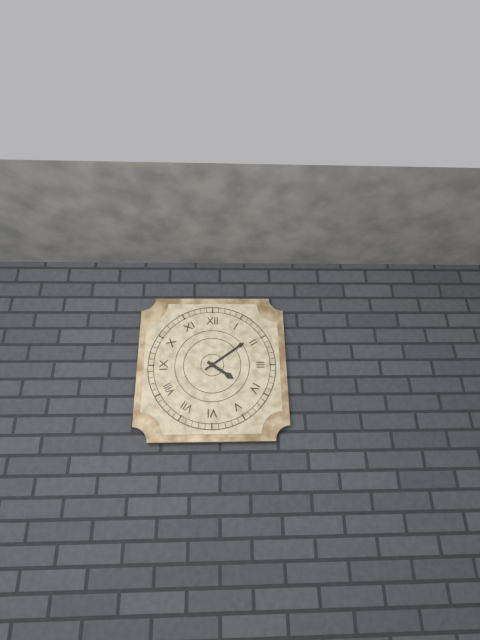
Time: {"hour": 4, "minute": 9}
